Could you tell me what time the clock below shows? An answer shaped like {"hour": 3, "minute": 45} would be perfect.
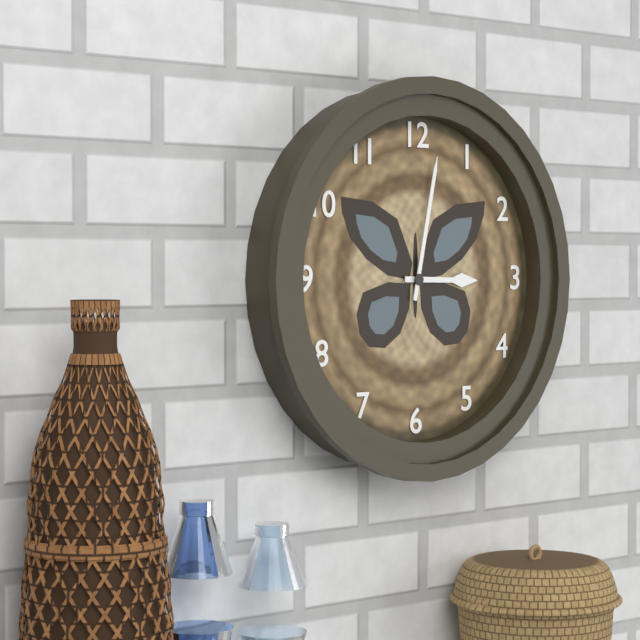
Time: {"hour": 3, "minute": 2}
